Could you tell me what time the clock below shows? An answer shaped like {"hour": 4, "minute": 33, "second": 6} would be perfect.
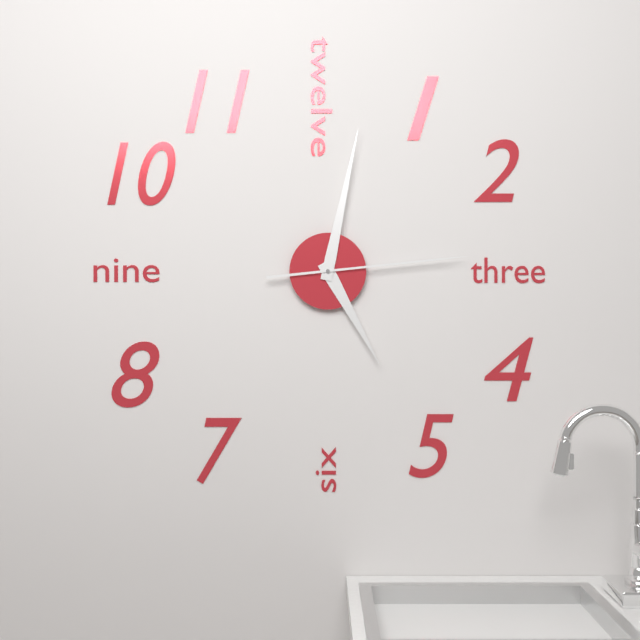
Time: {"hour": 5, "minute": 2, "second": 14}
